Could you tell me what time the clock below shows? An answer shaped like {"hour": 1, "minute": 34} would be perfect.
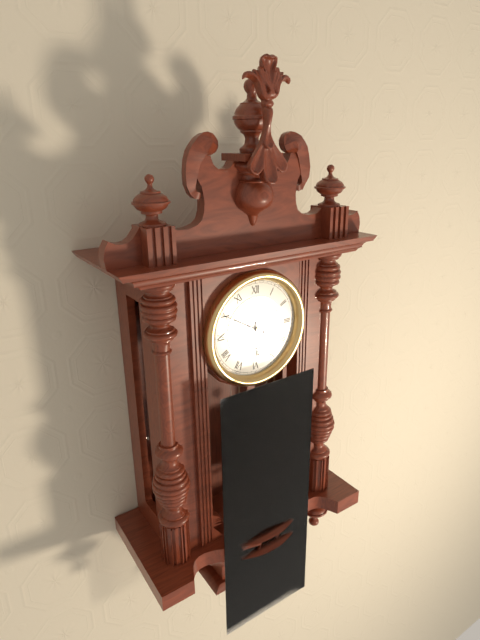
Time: {"hour": 5, "minute": 50}
